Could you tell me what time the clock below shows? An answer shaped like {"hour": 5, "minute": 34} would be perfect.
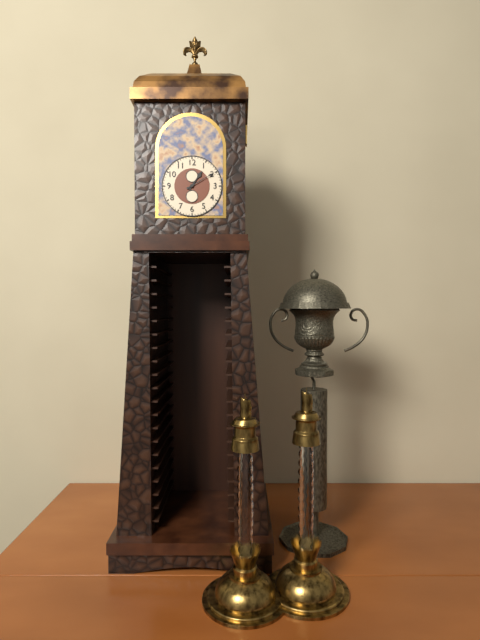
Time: {"hour": 1, "minute": 10}
